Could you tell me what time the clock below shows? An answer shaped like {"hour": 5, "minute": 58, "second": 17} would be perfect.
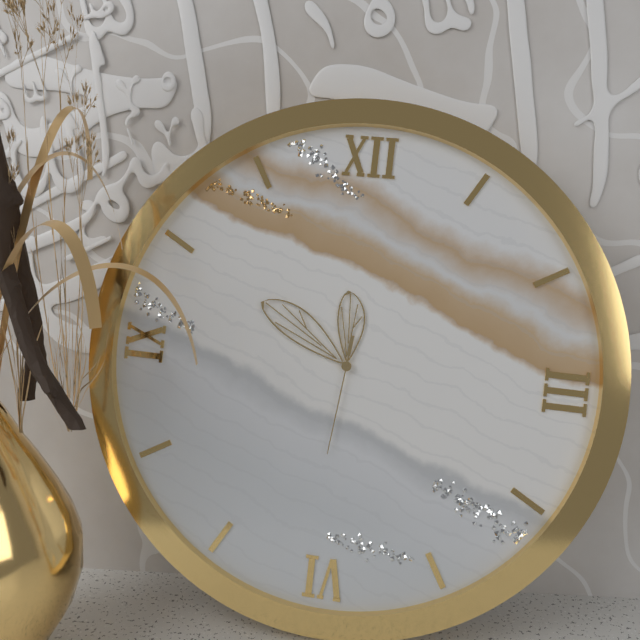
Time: {"hour": 11, "minute": 50, "second": 31}
